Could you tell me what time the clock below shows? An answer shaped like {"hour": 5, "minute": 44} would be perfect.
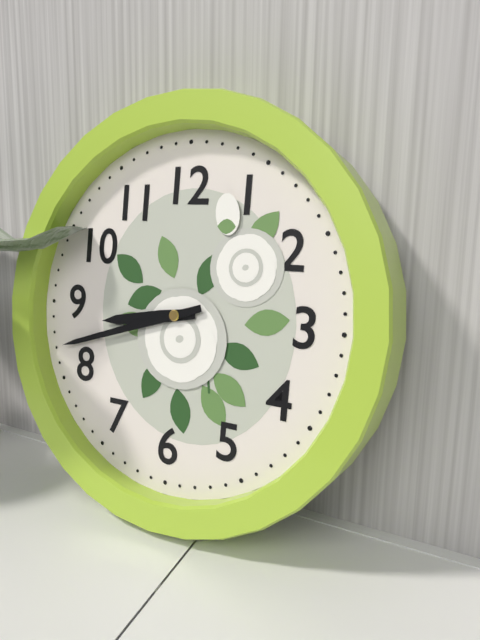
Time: {"hour": 8, "minute": 42}
